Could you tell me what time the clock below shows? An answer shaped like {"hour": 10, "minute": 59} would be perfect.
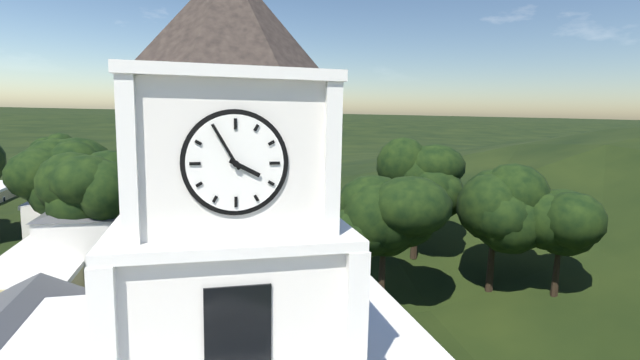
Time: {"hour": 3, "minute": 55}
